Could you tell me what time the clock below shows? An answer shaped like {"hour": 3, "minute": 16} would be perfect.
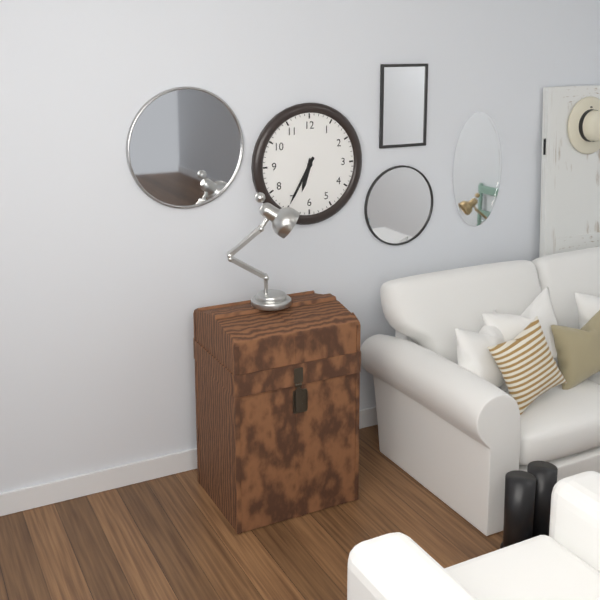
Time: {"hour": 6, "minute": 35}
